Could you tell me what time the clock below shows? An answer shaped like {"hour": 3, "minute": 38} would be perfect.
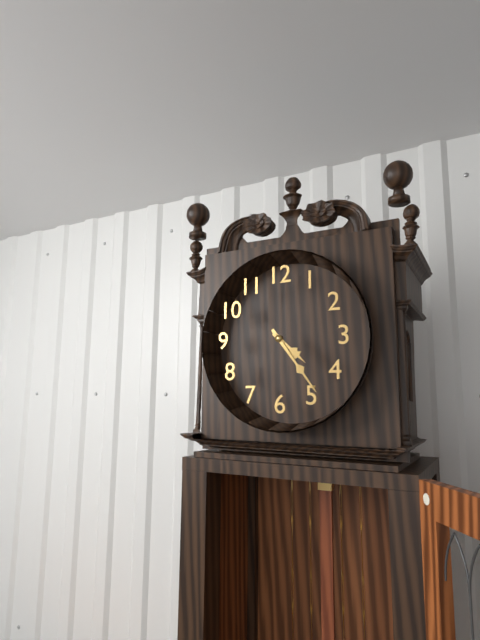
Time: {"hour": 4, "minute": 24}
